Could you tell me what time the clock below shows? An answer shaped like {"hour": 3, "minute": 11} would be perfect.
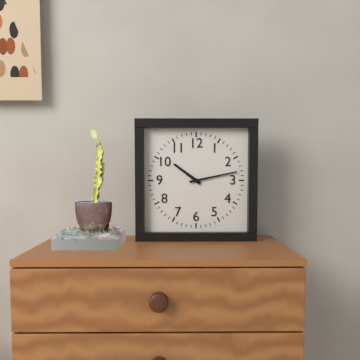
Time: {"hour": 10, "minute": 13}
